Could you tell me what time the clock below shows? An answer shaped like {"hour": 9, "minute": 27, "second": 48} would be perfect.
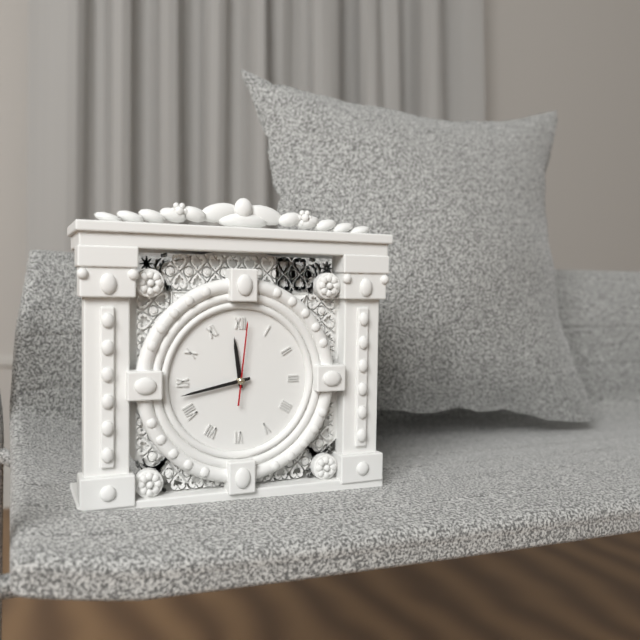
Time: {"hour": 11, "minute": 43, "second": 1}
